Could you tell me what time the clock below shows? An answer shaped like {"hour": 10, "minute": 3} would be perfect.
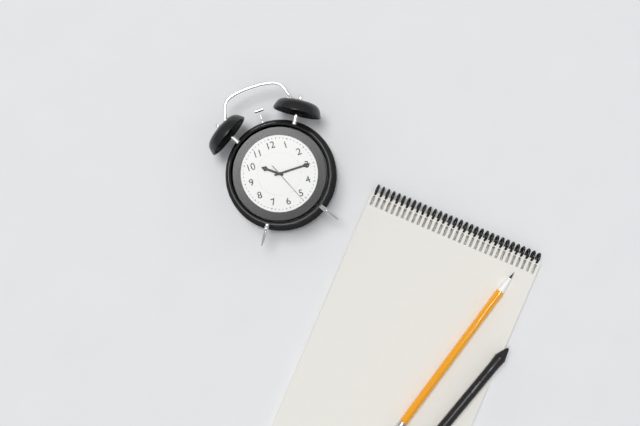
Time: {"hour": 10, "minute": 15}
